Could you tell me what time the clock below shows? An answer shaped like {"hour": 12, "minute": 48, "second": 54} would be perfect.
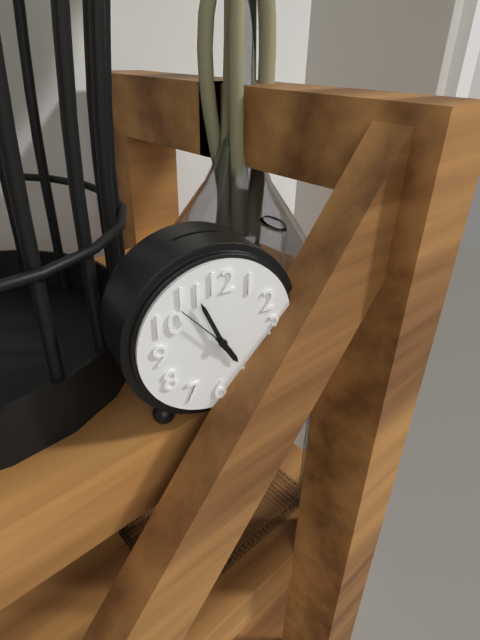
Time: {"hour": 4, "minute": 56, "second": 53}
